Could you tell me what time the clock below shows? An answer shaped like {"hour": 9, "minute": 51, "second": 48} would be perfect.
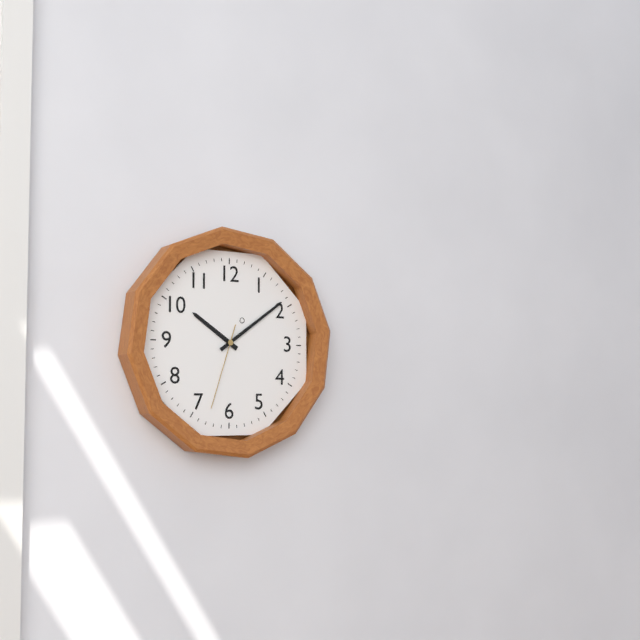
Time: {"hour": 10, "minute": 9, "second": 33}
